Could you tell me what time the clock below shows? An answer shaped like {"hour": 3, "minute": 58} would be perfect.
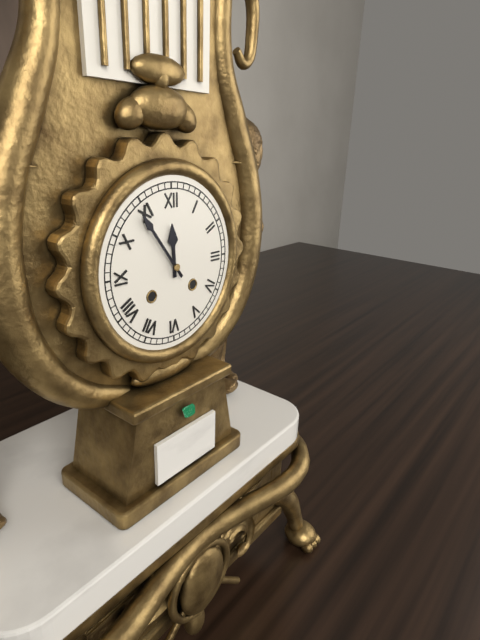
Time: {"hour": 11, "minute": 54}
